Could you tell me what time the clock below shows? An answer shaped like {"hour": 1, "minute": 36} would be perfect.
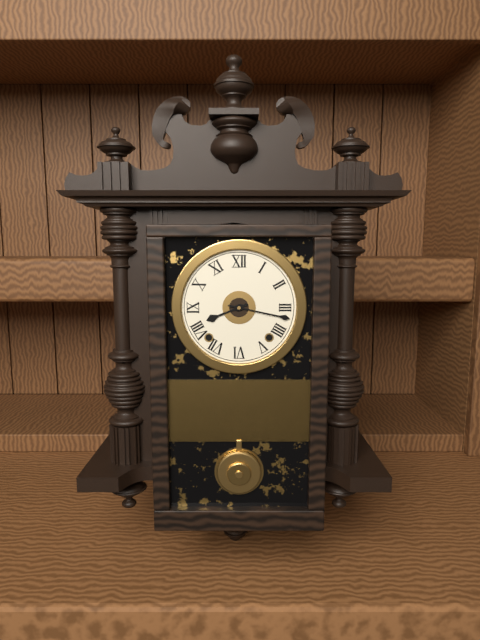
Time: {"hour": 8, "minute": 17}
